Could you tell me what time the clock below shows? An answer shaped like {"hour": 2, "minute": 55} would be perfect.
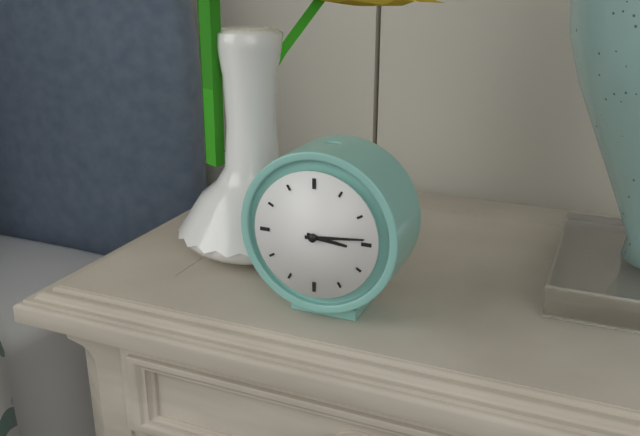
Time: {"hour": 3, "minute": 14}
